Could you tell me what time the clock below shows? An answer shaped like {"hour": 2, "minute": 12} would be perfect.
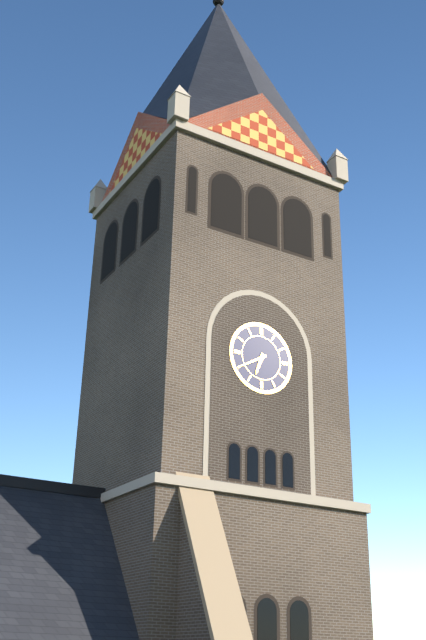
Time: {"hour": 6, "minute": 40}
